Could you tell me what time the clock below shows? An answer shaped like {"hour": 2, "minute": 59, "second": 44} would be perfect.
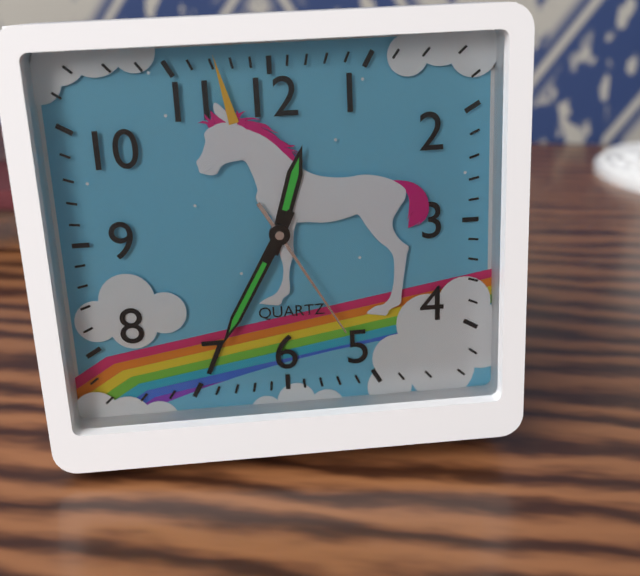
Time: {"hour": 12, "minute": 35, "second": 25}
